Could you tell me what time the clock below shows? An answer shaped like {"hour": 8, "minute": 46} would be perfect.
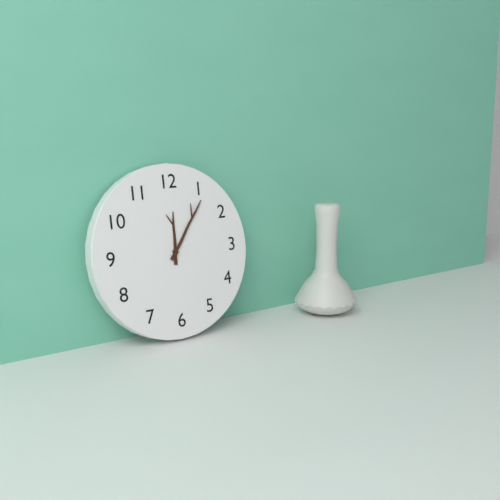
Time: {"hour": 12, "minute": 6}
